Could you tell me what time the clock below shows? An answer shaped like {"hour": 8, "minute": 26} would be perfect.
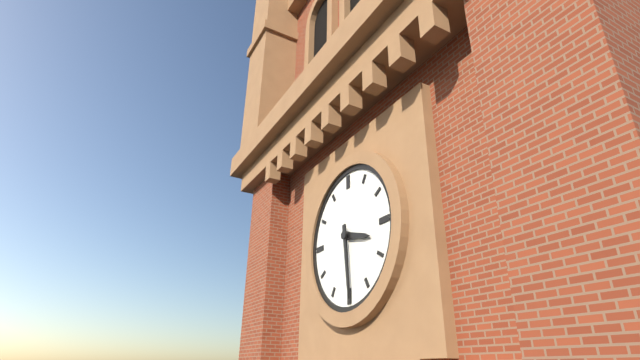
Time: {"hour": 3, "minute": 29}
